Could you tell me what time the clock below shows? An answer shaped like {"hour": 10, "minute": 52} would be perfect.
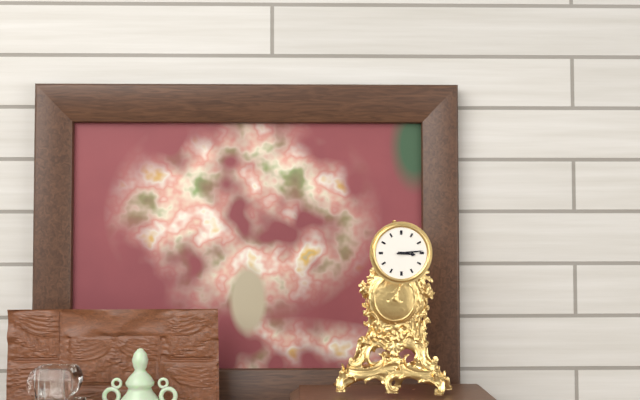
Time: {"hour": 3, "minute": 14}
